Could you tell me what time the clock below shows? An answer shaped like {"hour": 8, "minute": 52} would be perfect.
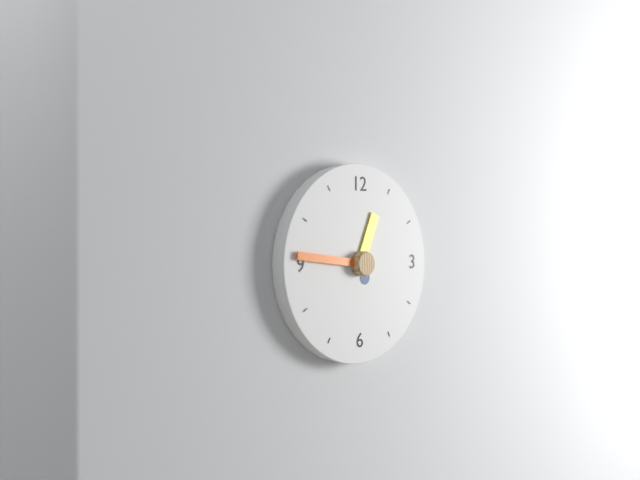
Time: {"hour": 12, "minute": 46}
